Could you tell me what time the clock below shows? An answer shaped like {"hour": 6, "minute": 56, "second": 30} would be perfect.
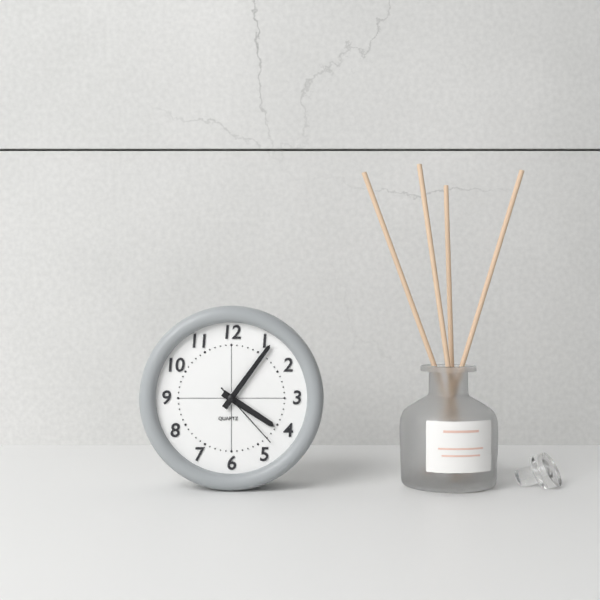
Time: {"hour": 4, "minute": 6, "second": 23}
